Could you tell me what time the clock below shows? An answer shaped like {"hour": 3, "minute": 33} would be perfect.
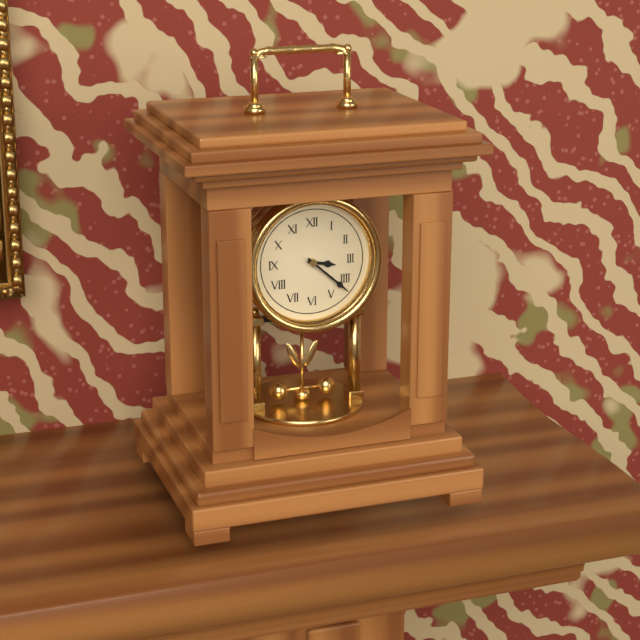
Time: {"hour": 3, "minute": 22}
